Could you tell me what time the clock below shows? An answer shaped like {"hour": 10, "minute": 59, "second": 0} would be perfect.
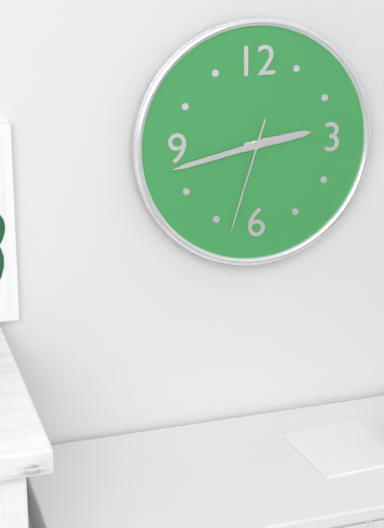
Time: {"hour": 2, "minute": 43, "second": 33}
